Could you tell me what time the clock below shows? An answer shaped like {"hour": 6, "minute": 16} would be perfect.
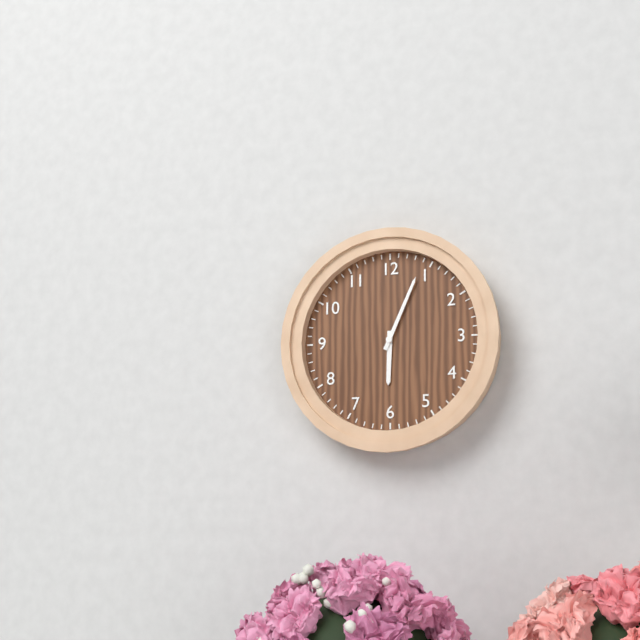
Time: {"hour": 6, "minute": 4}
